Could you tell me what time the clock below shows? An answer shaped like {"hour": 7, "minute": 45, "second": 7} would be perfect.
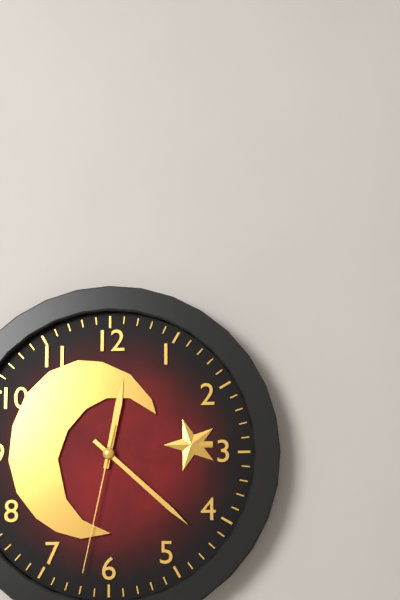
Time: {"hour": 12, "minute": 22, "second": 32}
